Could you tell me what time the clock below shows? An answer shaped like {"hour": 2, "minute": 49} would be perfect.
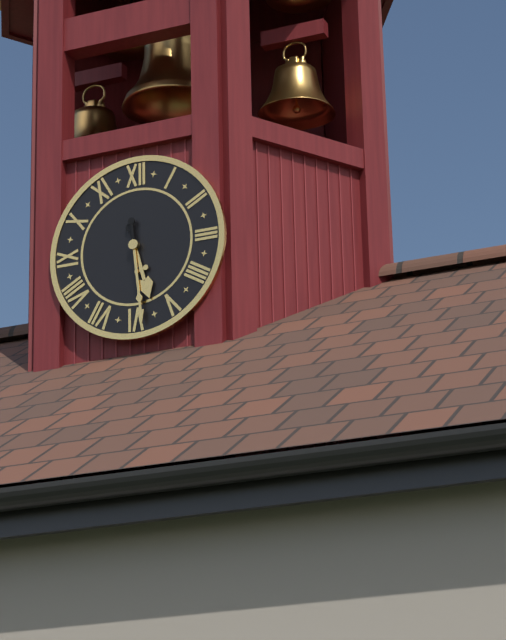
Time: {"hour": 5, "minute": 29}
